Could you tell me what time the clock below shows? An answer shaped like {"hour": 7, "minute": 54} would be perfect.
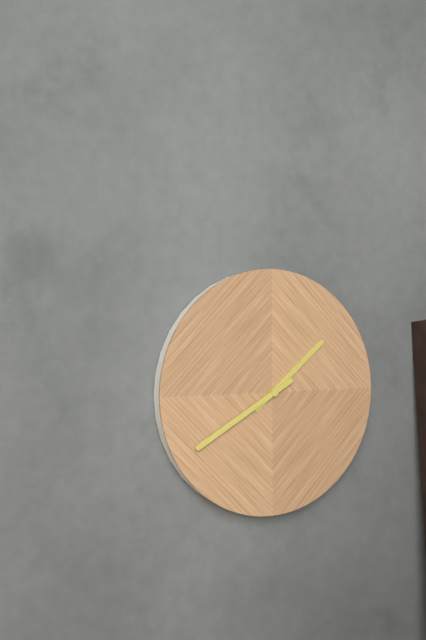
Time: {"hour": 1, "minute": 40}
